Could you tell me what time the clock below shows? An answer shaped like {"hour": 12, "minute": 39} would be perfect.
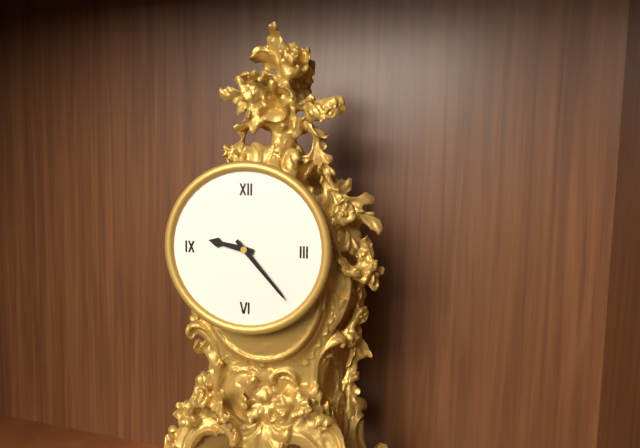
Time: {"hour": 9, "minute": 23}
